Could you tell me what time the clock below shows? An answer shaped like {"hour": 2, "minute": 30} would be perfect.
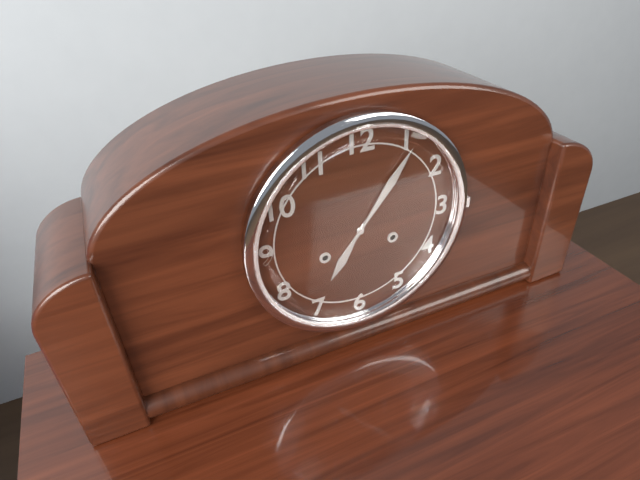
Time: {"hour": 7, "minute": 6}
